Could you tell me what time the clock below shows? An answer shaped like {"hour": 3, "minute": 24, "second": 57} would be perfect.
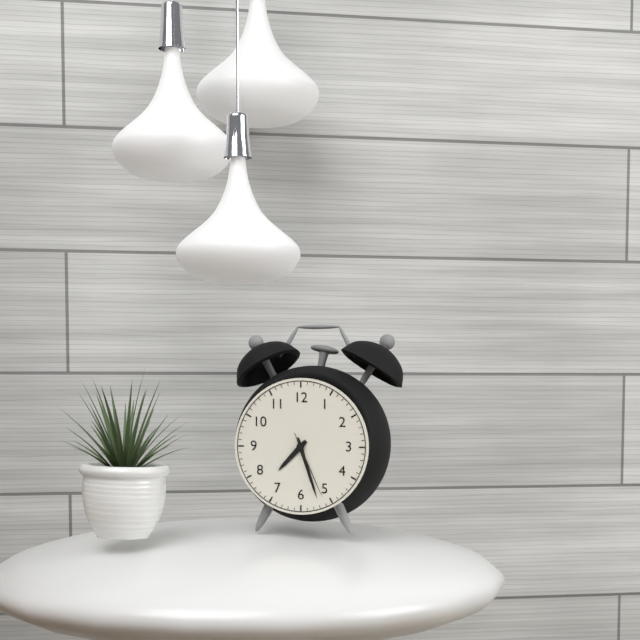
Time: {"hour": 7, "minute": 27, "second": 26}
